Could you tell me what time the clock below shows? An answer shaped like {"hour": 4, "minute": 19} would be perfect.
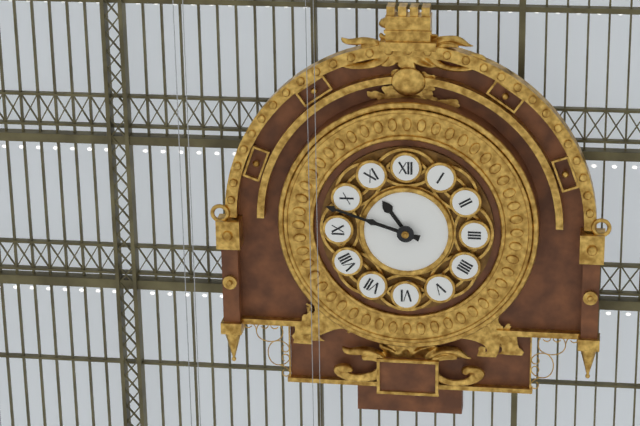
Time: {"hour": 10, "minute": 48}
